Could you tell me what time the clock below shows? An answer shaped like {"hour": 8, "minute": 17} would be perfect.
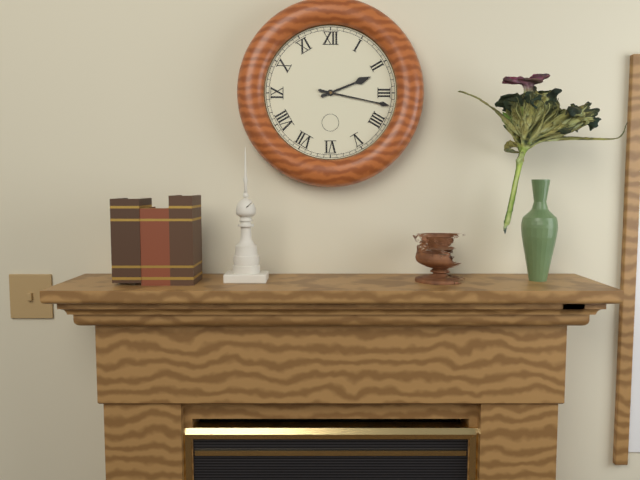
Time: {"hour": 2, "minute": 17}
